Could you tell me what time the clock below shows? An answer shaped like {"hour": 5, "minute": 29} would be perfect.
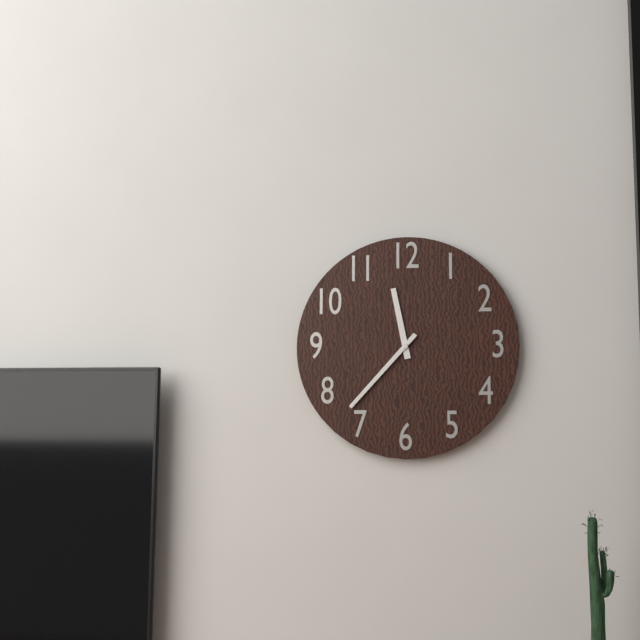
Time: {"hour": 11, "minute": 37}
